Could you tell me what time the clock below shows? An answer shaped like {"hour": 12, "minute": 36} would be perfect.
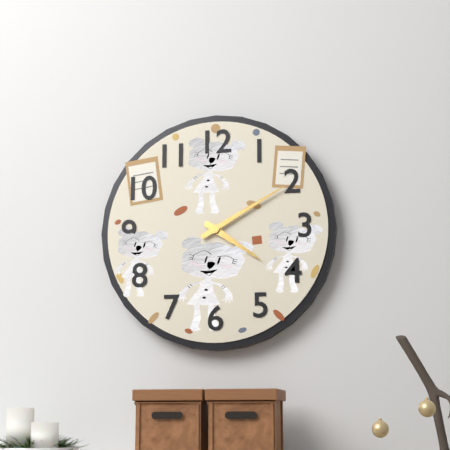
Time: {"hour": 4, "minute": 10}
